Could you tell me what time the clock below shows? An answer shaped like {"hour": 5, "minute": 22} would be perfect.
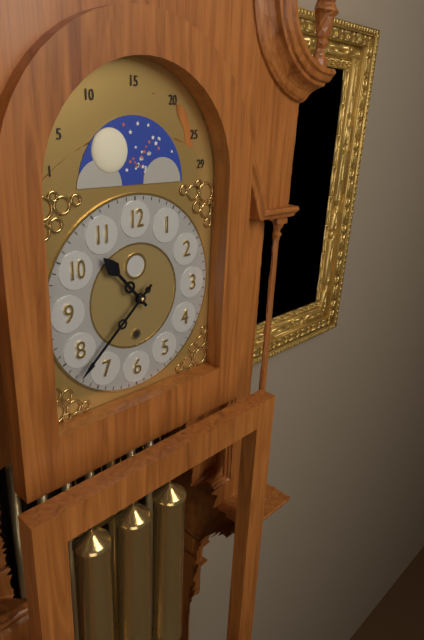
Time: {"hour": 10, "minute": 38}
